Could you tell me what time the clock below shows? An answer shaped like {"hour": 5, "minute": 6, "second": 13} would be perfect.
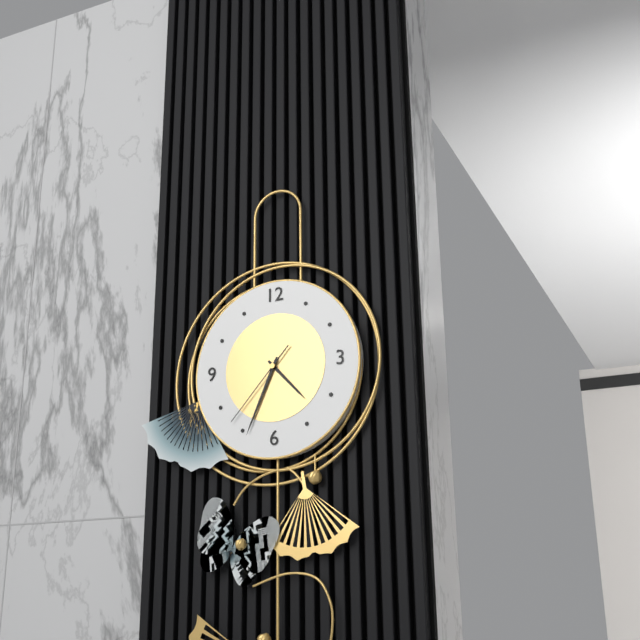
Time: {"hour": 4, "minute": 34, "second": 37}
